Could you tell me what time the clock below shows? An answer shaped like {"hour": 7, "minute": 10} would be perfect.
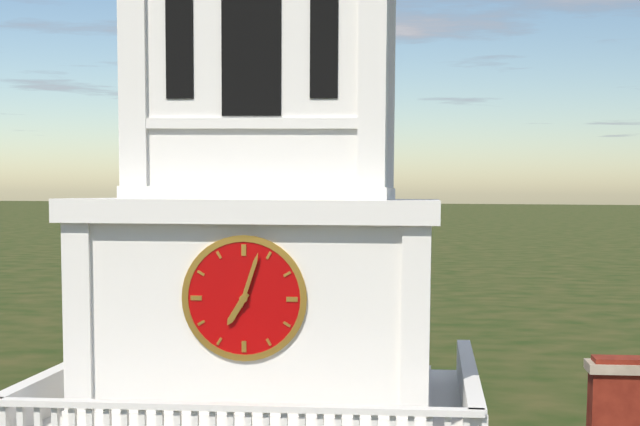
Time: {"hour": 7, "minute": 3}
